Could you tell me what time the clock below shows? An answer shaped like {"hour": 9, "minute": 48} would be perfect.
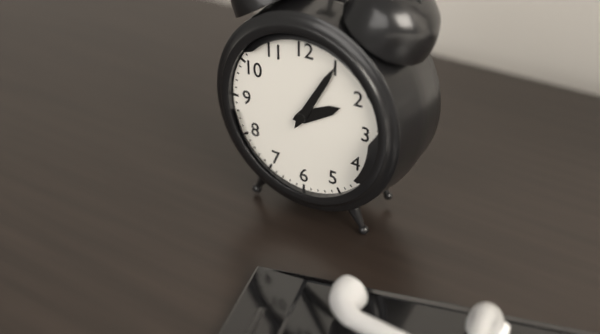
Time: {"hour": 2, "minute": 5}
